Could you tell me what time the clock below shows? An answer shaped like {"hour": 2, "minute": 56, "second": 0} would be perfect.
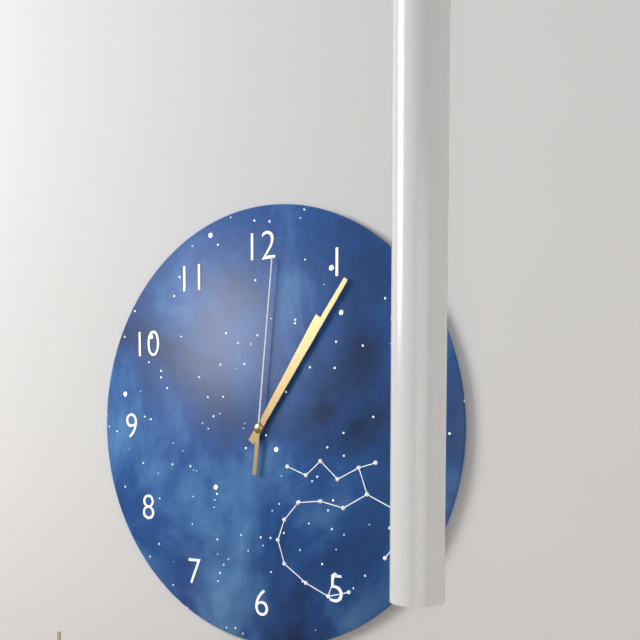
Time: {"hour": 1, "minute": 6, "second": 1}
